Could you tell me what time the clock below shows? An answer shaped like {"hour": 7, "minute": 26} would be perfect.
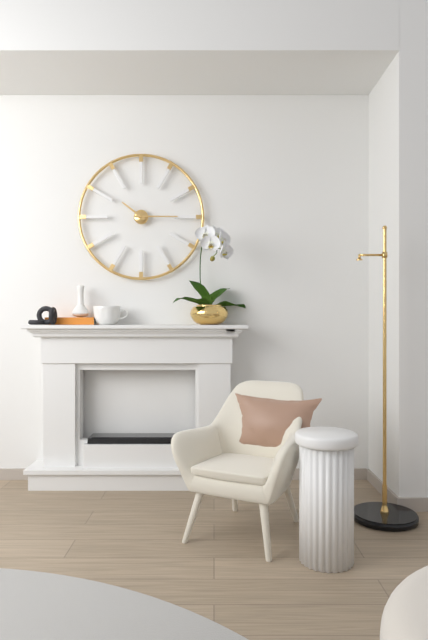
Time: {"hour": 10, "minute": 15}
